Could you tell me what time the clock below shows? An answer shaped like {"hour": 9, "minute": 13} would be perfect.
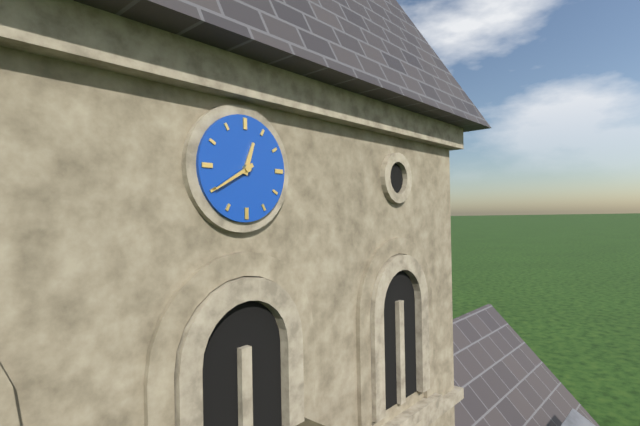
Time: {"hour": 12, "minute": 40}
